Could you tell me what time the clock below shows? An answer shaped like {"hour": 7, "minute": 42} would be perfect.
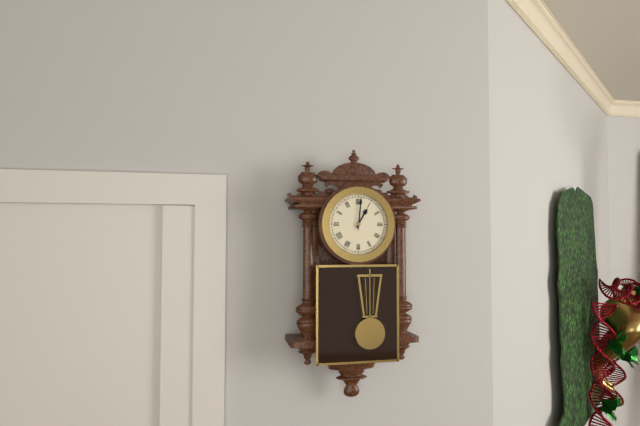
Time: {"hour": 1, "minute": 1}
